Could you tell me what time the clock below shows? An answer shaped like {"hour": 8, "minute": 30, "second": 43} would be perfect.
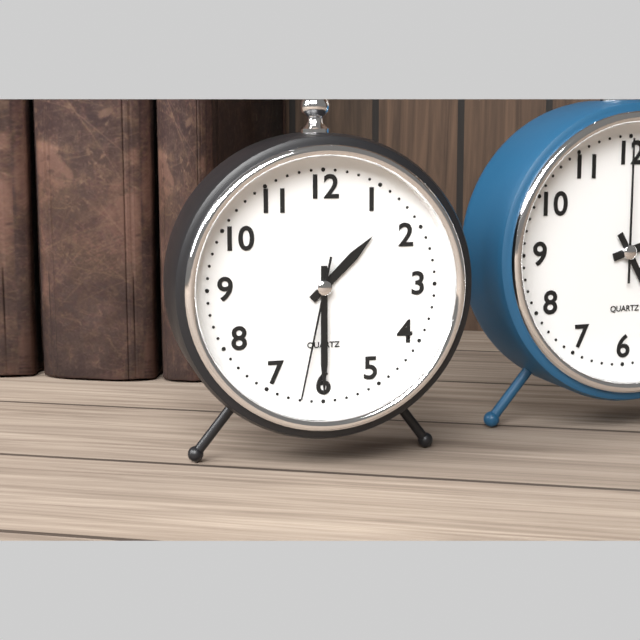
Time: {"hour": 1, "minute": 30, "second": 32}
